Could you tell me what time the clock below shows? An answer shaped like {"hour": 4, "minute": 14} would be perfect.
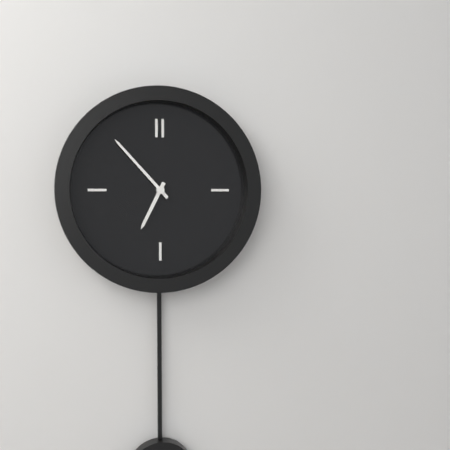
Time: {"hour": 6, "minute": 53}
